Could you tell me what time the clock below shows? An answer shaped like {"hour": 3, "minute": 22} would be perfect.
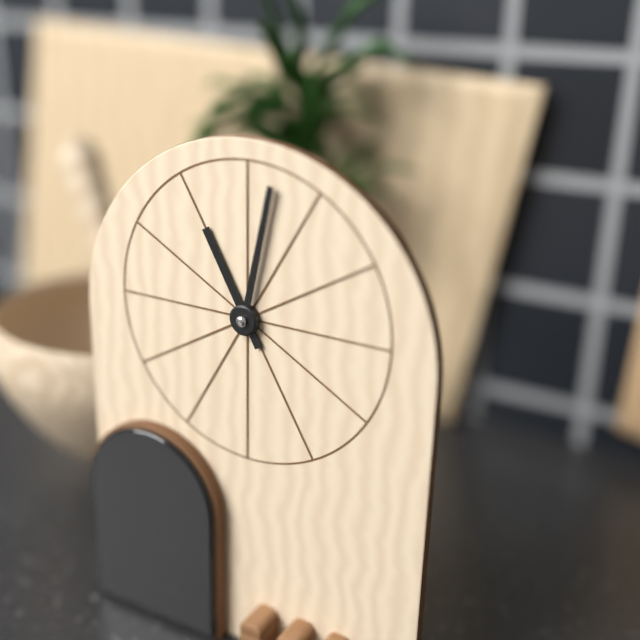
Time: {"hour": 11, "minute": 2}
